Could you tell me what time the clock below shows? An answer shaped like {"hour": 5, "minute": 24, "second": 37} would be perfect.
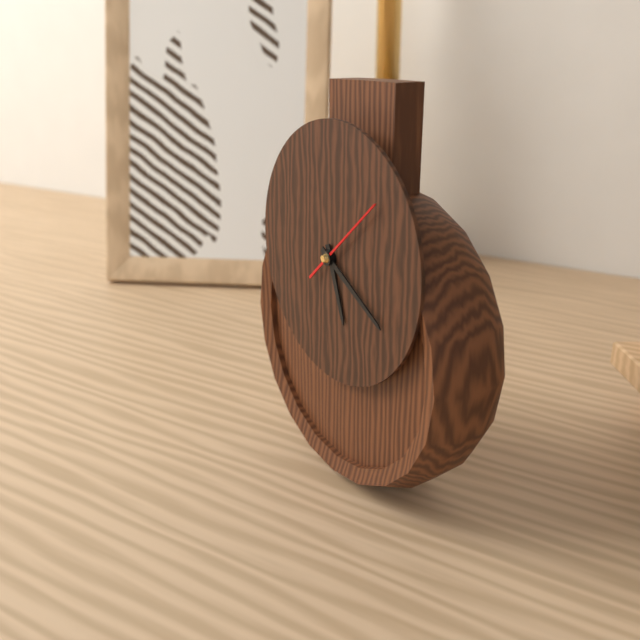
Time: {"hour": 5, "minute": 20, "second": 8}
